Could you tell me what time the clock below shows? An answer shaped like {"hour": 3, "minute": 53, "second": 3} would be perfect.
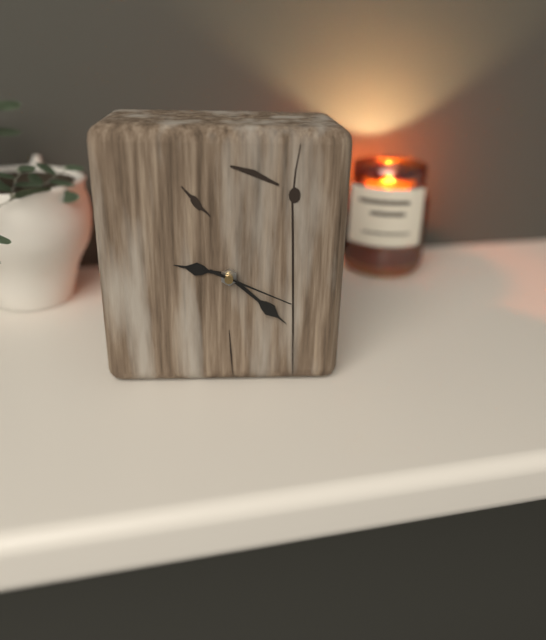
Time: {"hour": 9, "minute": 22, "second": 19}
